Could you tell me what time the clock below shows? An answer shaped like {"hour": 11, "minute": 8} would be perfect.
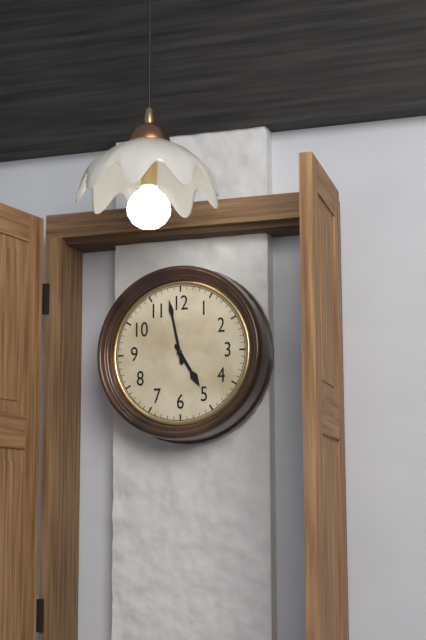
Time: {"hour": 4, "minute": 58}
